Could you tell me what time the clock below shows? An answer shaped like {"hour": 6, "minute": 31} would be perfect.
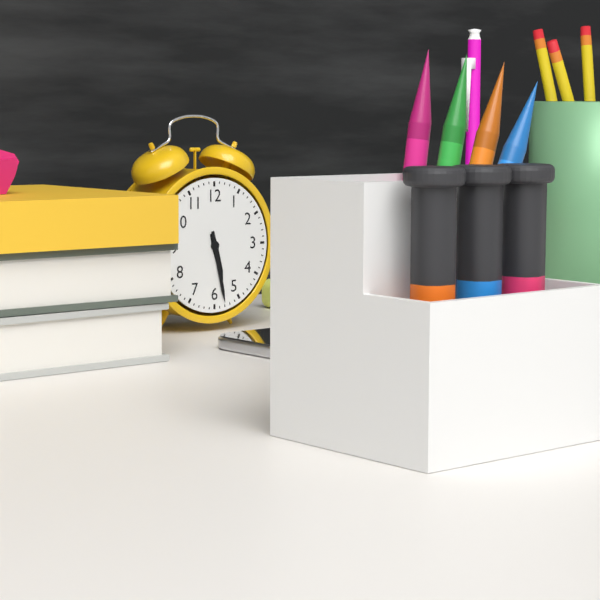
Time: {"hour": 5, "minute": 28}
